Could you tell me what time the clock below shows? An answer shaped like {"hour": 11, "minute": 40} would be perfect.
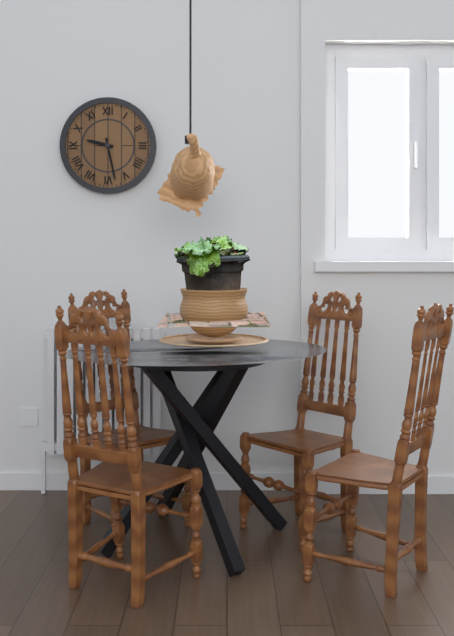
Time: {"hour": 9, "minute": 28}
